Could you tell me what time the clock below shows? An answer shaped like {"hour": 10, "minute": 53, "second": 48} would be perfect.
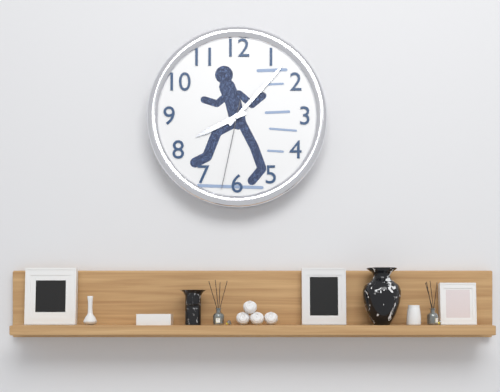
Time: {"hour": 8, "minute": 7, "second": 32}
